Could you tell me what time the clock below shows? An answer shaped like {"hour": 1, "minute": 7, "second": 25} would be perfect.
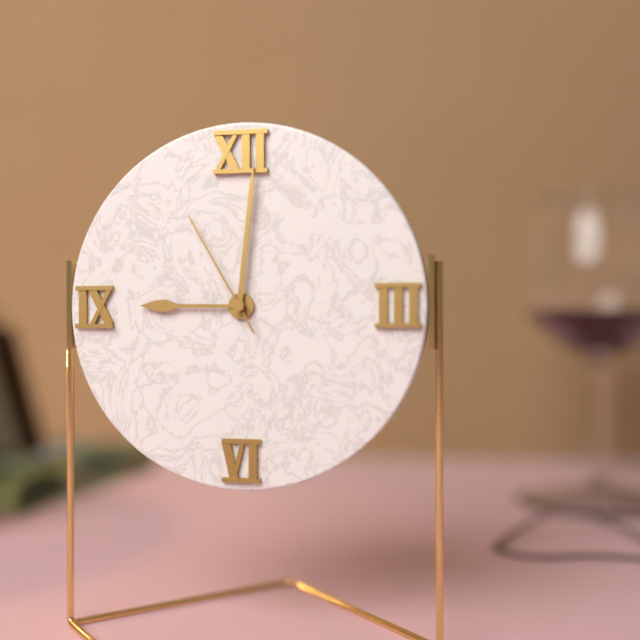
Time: {"hour": 9, "minute": 1, "second": 55}
